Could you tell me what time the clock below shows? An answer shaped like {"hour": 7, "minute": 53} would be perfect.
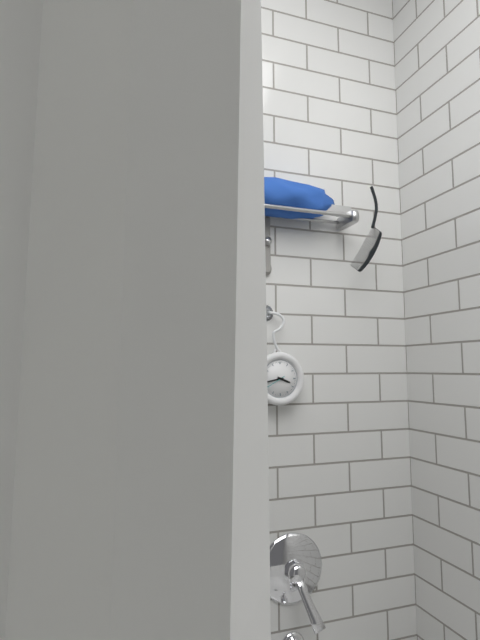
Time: {"hour": 3, "minute": 43}
